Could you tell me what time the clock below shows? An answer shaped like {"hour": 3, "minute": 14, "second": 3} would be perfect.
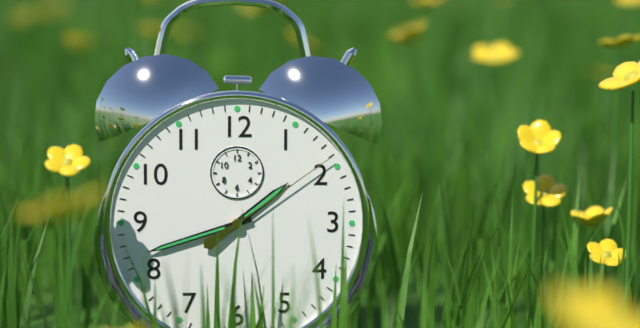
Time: {"hour": 1, "minute": 42, "second": 9}
